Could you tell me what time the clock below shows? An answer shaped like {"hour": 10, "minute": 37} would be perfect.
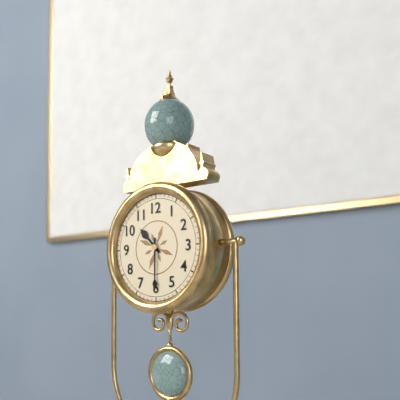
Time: {"hour": 10, "minute": 30}
